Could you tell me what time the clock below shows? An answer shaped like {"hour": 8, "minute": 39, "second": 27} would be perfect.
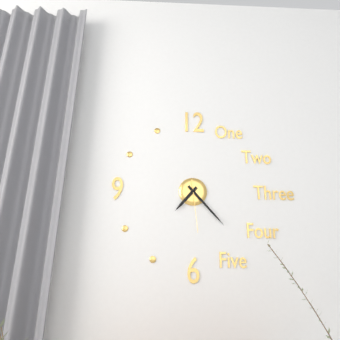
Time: {"hour": 7, "minute": 23, "second": 29}
